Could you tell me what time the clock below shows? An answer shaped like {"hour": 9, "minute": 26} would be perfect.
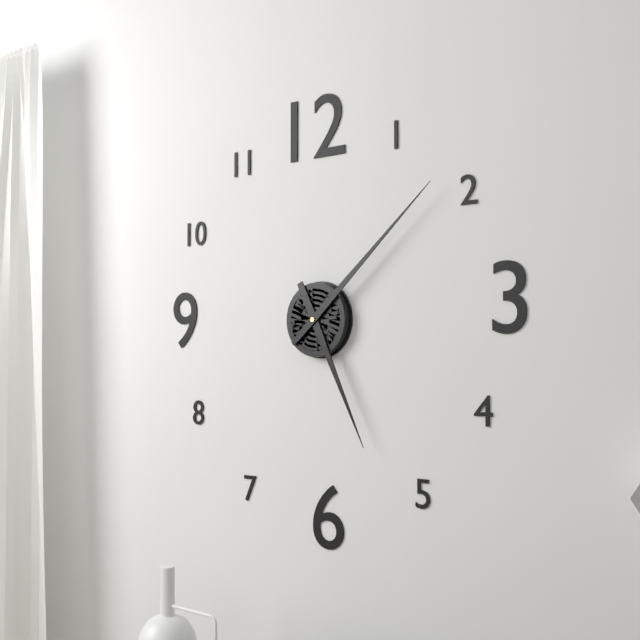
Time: {"hour": 5, "minute": 8}
